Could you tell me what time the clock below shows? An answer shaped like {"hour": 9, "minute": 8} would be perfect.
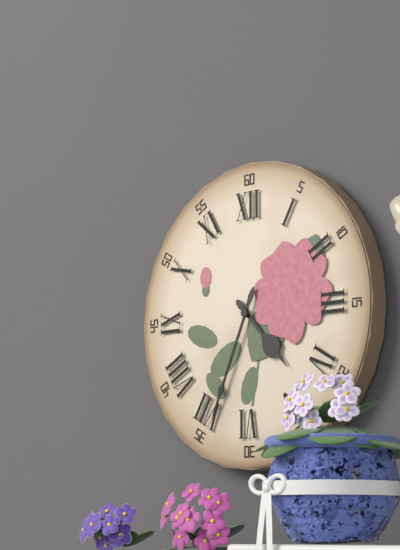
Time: {"hour": 4, "minute": 34}
